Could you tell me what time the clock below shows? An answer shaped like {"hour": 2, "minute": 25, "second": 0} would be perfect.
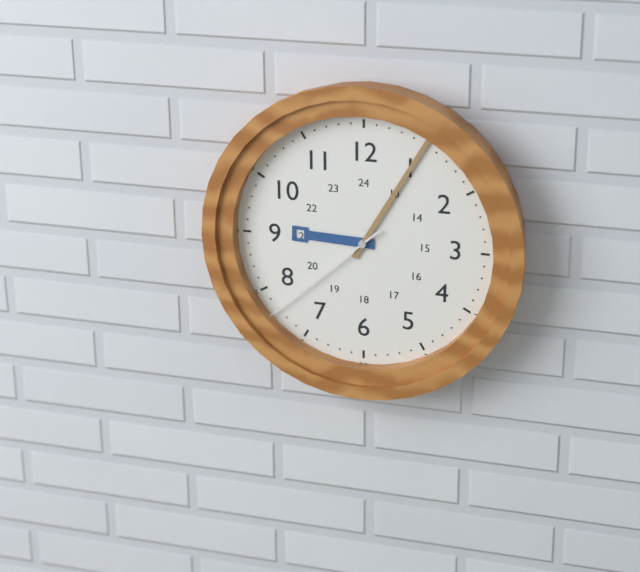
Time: {"hour": 9, "minute": 5, "second": 38}
